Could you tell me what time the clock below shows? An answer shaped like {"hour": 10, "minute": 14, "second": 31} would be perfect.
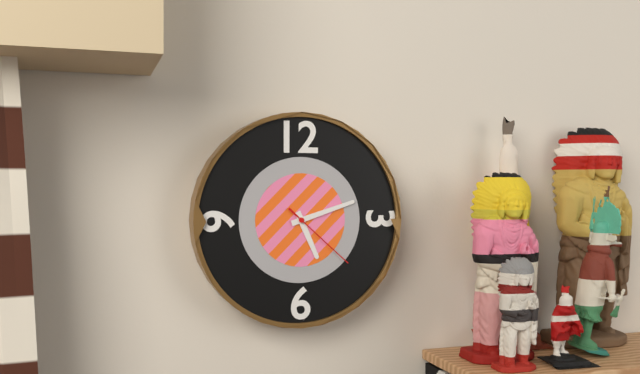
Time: {"hour": 5, "minute": 12, "second": 22}
